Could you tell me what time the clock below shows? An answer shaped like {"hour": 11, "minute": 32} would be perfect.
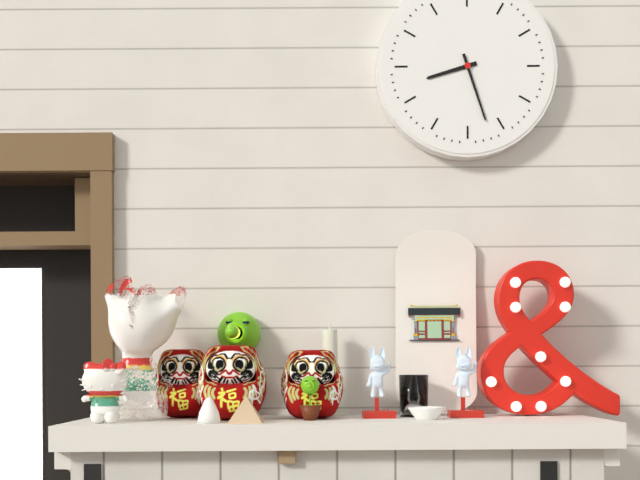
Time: {"hour": 8, "minute": 27}
